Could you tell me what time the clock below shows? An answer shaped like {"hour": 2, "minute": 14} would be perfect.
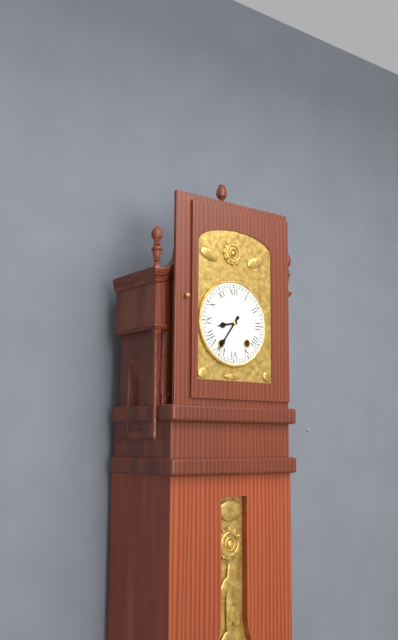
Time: {"hour": 8, "minute": 36}
